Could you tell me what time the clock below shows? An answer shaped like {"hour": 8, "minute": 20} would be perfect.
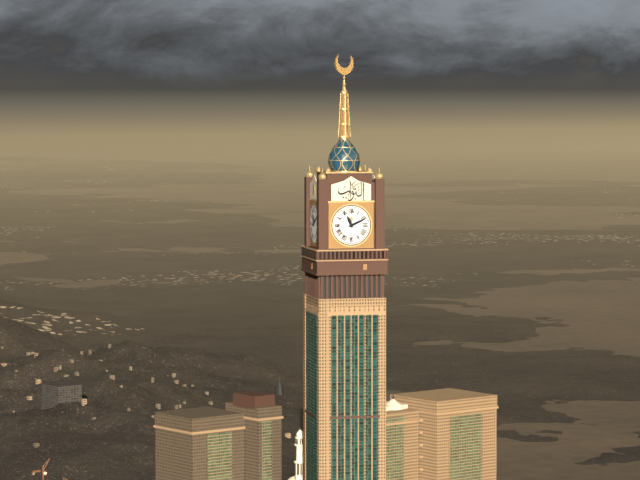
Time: {"hour": 11, "minute": 11}
